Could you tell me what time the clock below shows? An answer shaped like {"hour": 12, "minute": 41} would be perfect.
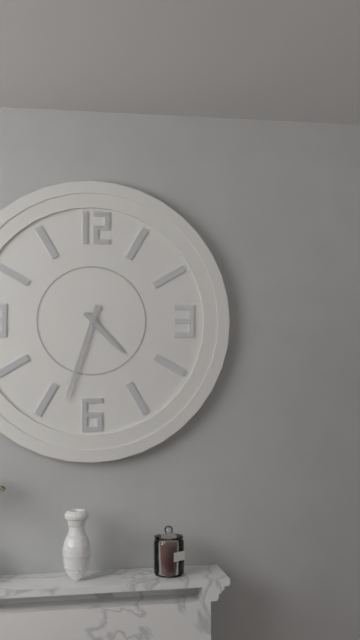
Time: {"hour": 4, "minute": 33}
